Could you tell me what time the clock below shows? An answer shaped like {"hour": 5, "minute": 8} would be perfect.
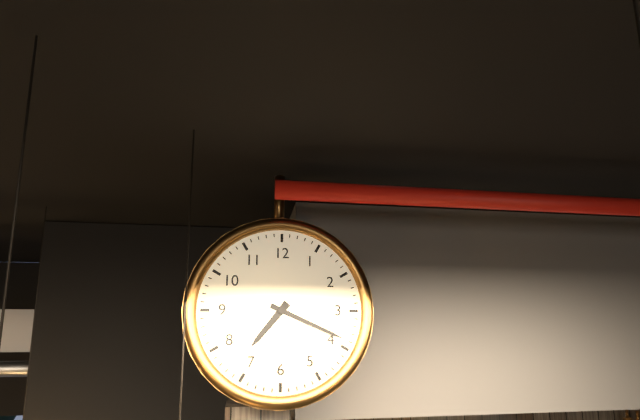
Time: {"hour": 7, "minute": 19}
